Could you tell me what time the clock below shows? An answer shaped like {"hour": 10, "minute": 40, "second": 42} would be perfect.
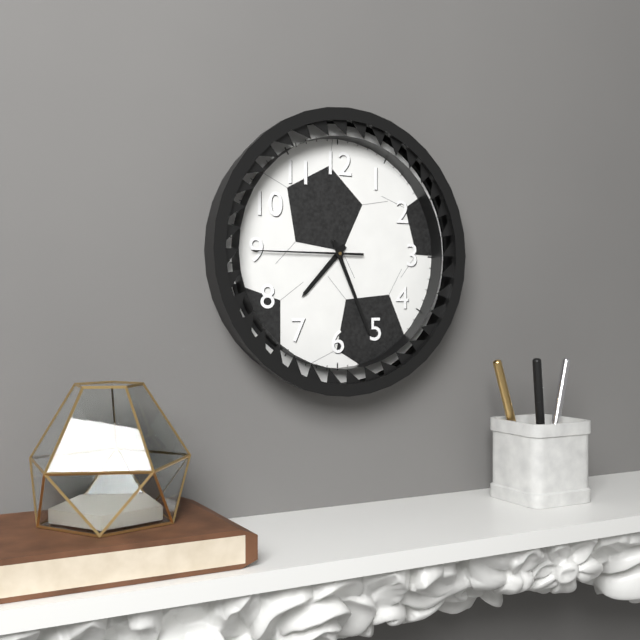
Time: {"hour": 7, "minute": 26, "second": 45}
